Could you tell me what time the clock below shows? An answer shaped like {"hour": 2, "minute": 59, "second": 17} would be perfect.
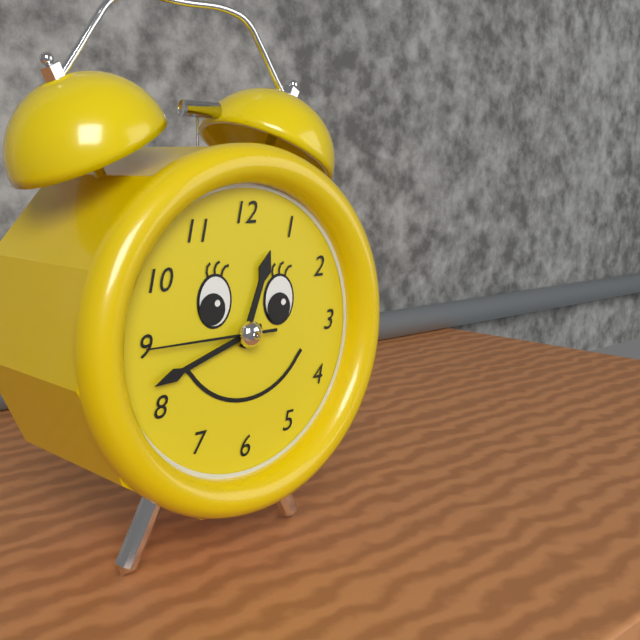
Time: {"hour": 12, "minute": 42, "second": 45}
